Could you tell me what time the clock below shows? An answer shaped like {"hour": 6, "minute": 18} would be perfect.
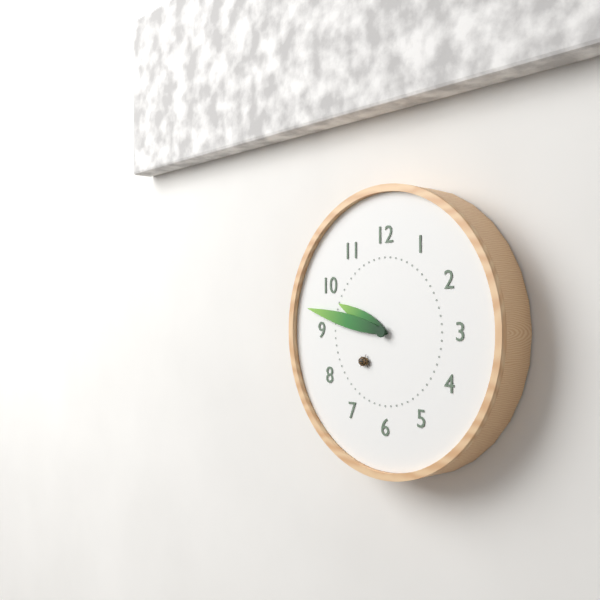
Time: {"hour": 9, "minute": 47}
